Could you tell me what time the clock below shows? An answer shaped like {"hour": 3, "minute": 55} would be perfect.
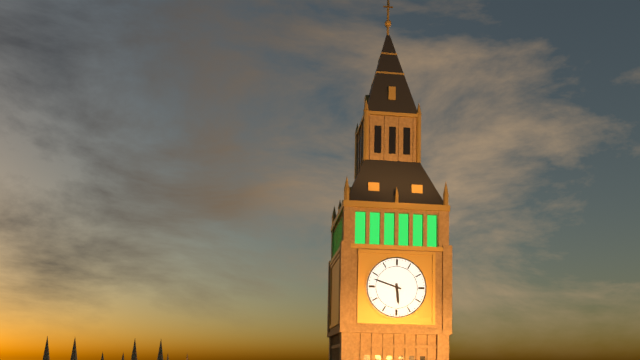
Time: {"hour": 5, "minute": 48}
